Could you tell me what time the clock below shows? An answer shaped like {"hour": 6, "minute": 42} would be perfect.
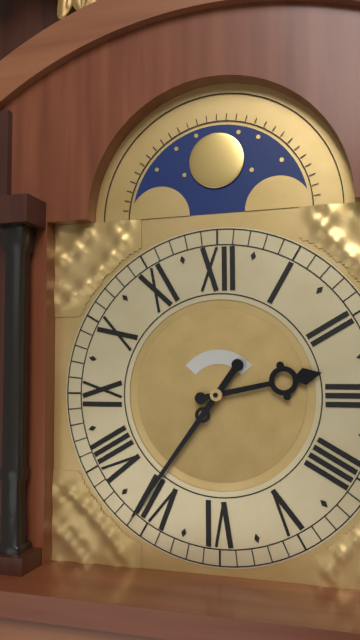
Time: {"hour": 2, "minute": 36}
